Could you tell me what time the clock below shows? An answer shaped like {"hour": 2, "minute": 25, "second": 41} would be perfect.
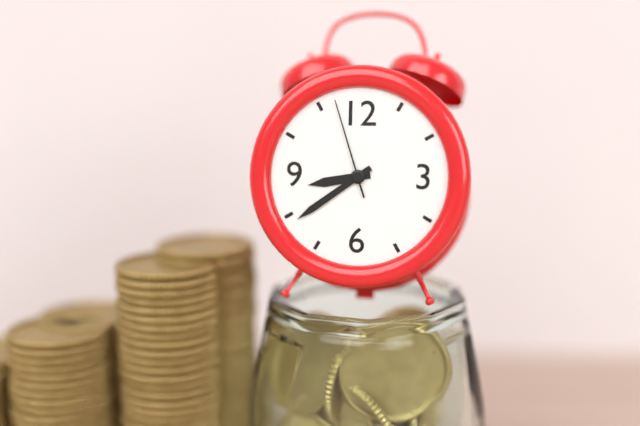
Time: {"hour": 8, "minute": 39, "second": 57}
